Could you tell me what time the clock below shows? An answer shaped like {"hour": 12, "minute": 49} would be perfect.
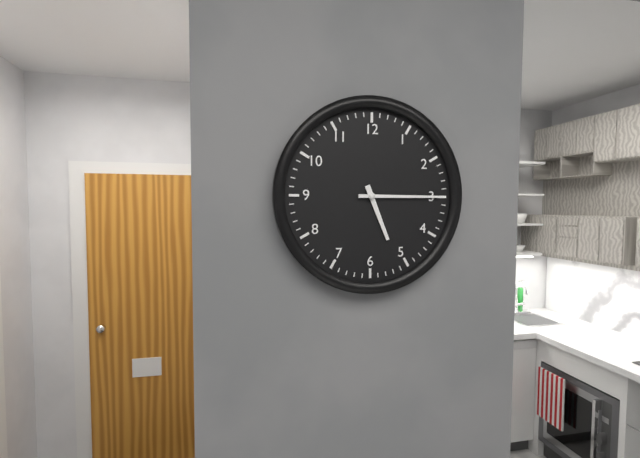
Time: {"hour": 5, "minute": 15}
